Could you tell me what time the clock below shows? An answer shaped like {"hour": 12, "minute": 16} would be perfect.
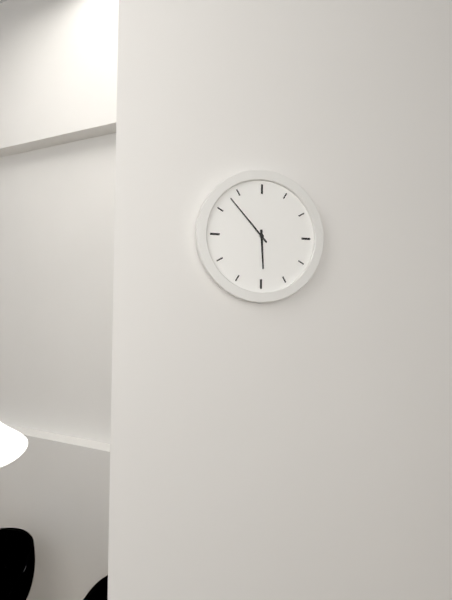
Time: {"hour": 5, "minute": 53}
